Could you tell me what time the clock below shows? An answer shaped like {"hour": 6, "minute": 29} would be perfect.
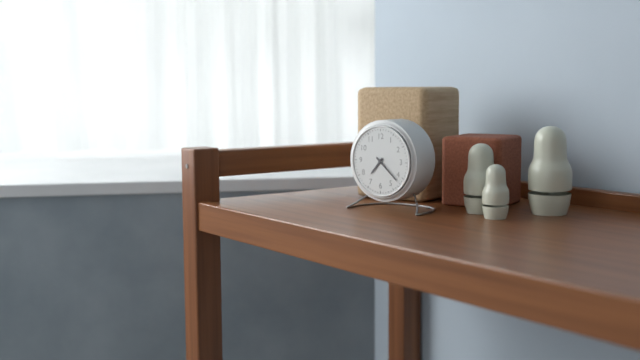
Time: {"hour": 7, "minute": 22}
